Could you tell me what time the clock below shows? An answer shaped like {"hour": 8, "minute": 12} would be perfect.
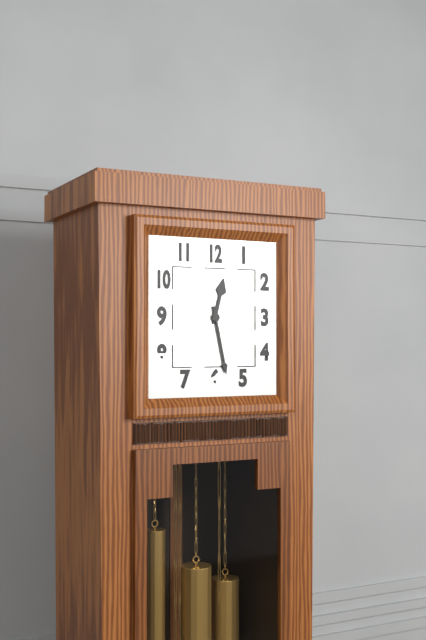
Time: {"hour": 12, "minute": 28}
